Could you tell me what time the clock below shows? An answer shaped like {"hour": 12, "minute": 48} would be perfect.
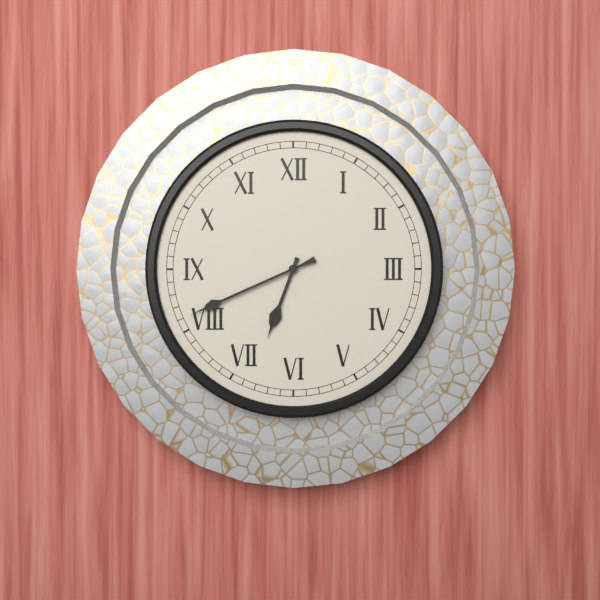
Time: {"hour": 6, "minute": 41}
